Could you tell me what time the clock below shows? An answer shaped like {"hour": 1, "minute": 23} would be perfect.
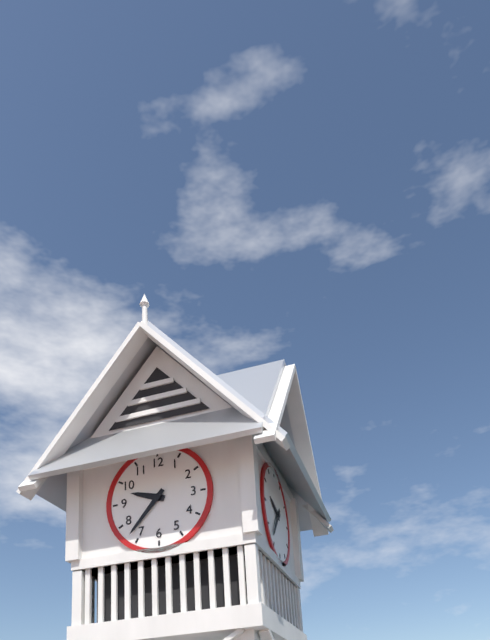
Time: {"hour": 9, "minute": 37}
